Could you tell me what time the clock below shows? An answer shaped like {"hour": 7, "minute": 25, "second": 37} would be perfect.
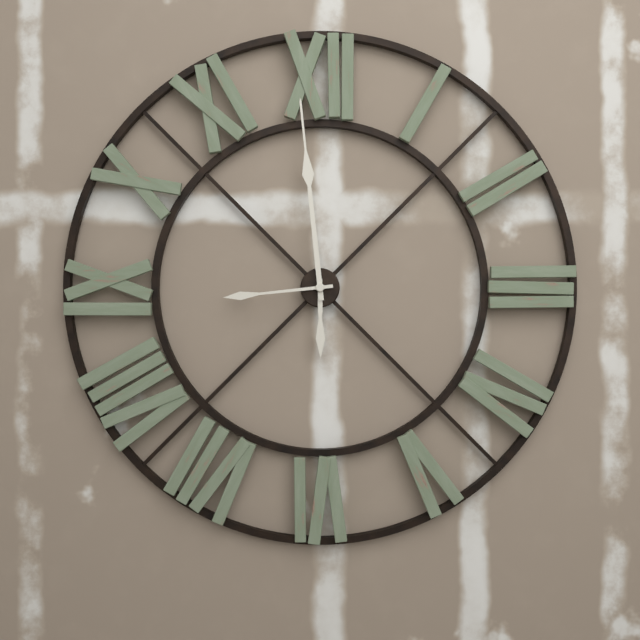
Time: {"hour": 5, "minute": 59, "second": 44}
